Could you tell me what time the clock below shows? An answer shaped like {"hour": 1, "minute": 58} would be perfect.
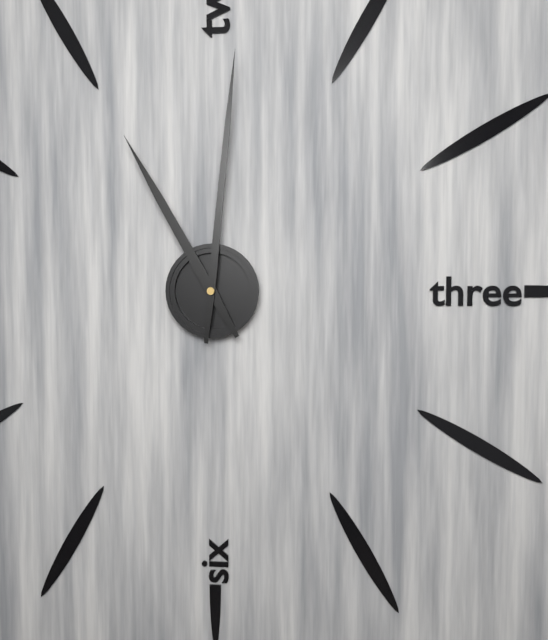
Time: {"hour": 11, "minute": 1}
